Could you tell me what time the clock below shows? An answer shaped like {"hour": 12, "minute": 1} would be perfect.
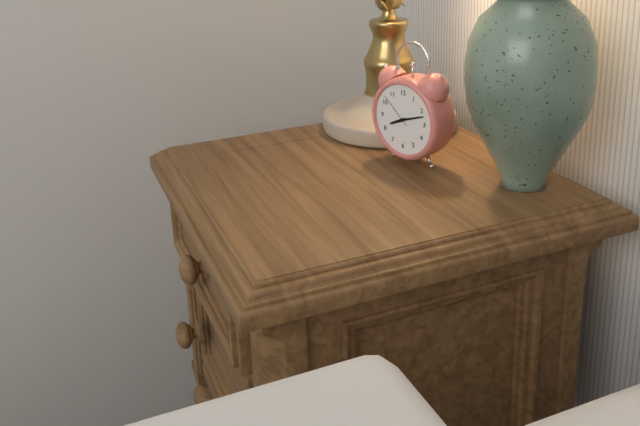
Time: {"hour": 8, "minute": 12}
